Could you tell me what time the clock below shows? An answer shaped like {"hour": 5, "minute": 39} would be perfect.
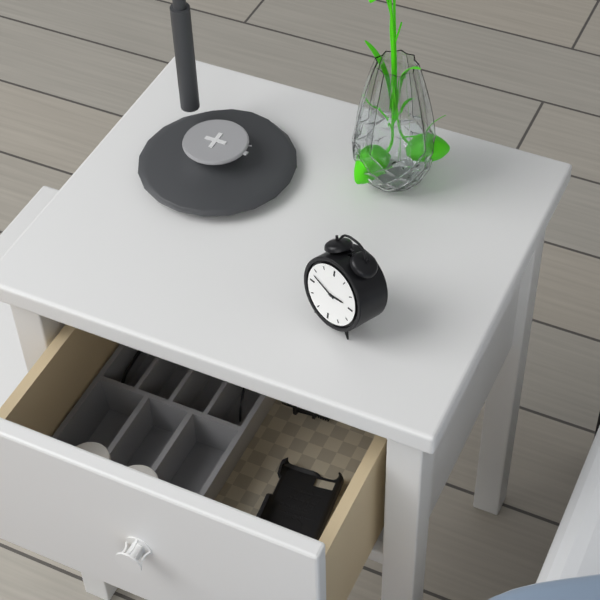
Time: {"hour": 2, "minute": 48}
